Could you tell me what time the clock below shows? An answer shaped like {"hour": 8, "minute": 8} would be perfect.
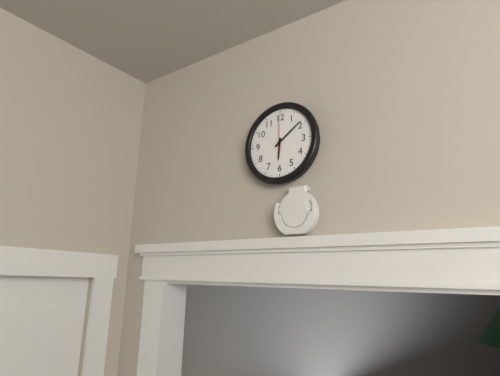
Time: {"hour": 6, "minute": 9}
